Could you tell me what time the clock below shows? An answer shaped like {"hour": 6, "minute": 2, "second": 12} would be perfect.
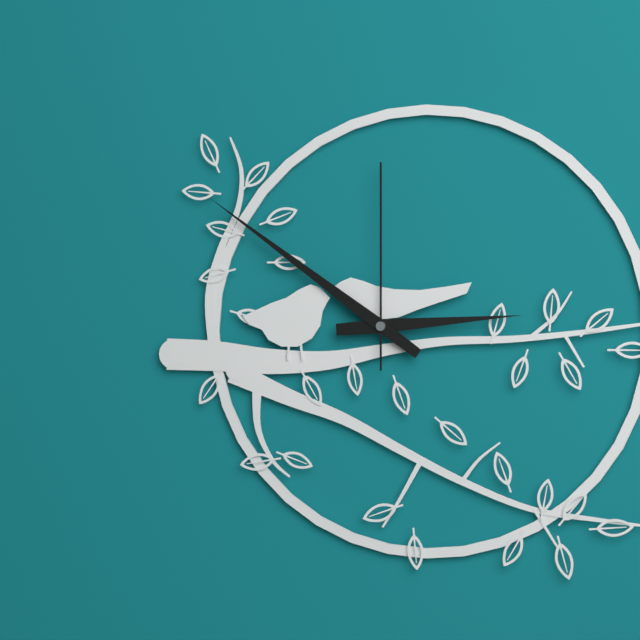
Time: {"hour": 2, "minute": 51, "second": 0}
